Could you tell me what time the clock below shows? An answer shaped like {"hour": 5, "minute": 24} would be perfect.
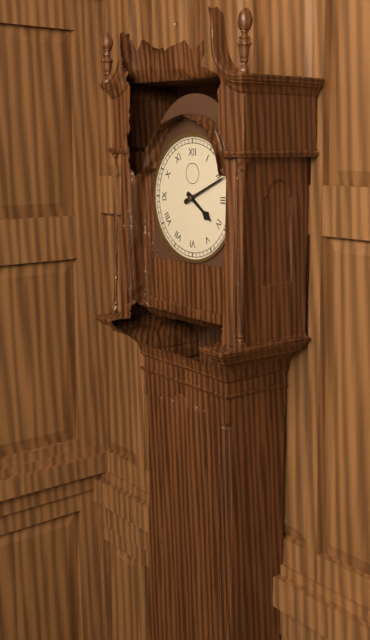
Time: {"hour": 4, "minute": 11}
